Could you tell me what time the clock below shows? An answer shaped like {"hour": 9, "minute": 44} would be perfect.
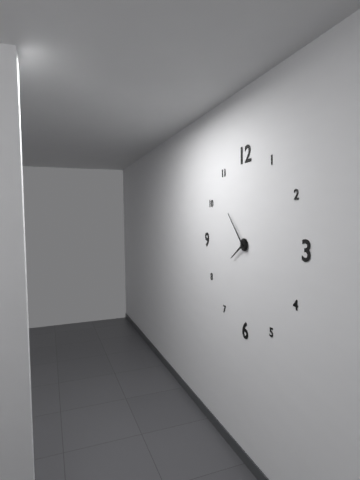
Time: {"hour": 7, "minute": 53}
